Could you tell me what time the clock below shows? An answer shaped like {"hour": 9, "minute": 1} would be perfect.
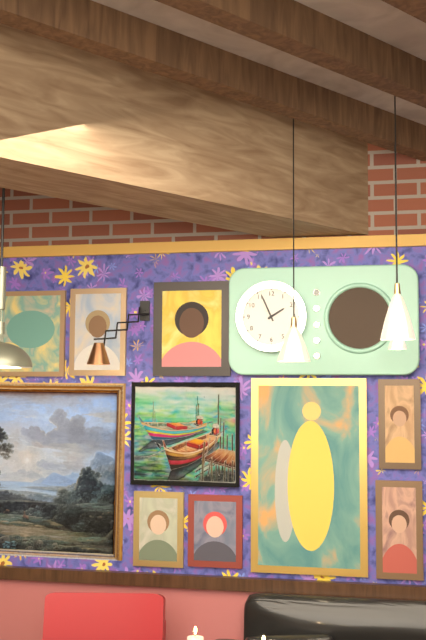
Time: {"hour": 1, "minute": 56}
